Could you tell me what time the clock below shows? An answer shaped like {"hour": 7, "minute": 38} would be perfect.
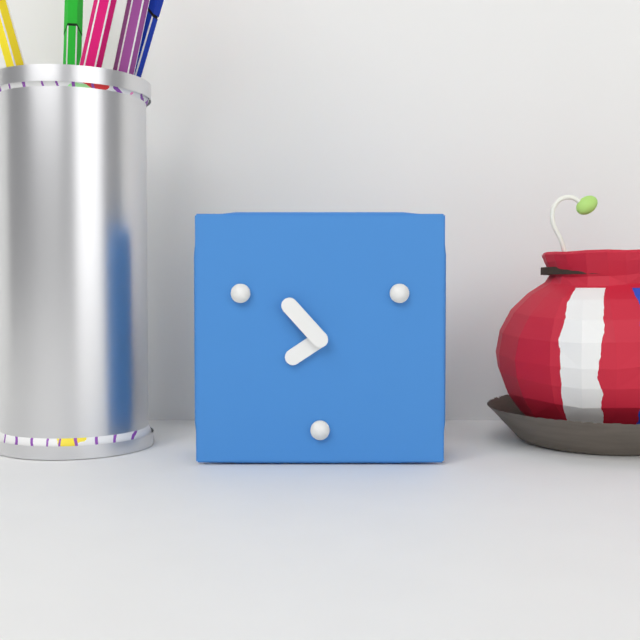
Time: {"hour": 7, "minute": 53}
